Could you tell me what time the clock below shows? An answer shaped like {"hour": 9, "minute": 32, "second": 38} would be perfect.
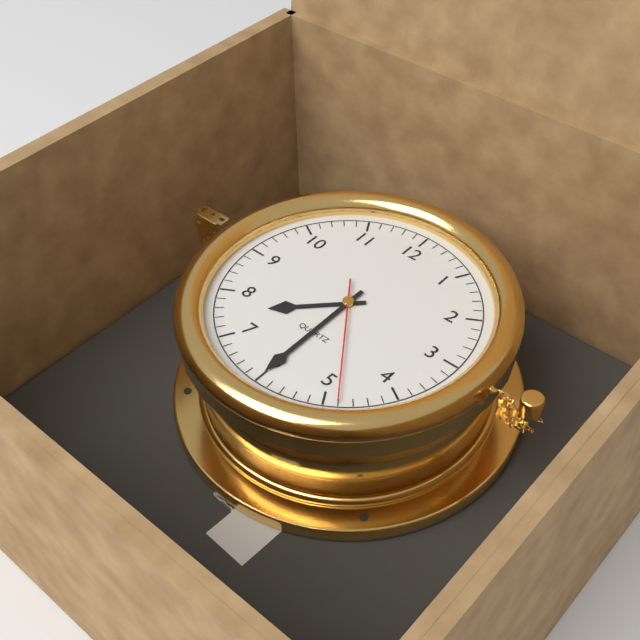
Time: {"hour": 7, "minute": 30, "second": 24}
